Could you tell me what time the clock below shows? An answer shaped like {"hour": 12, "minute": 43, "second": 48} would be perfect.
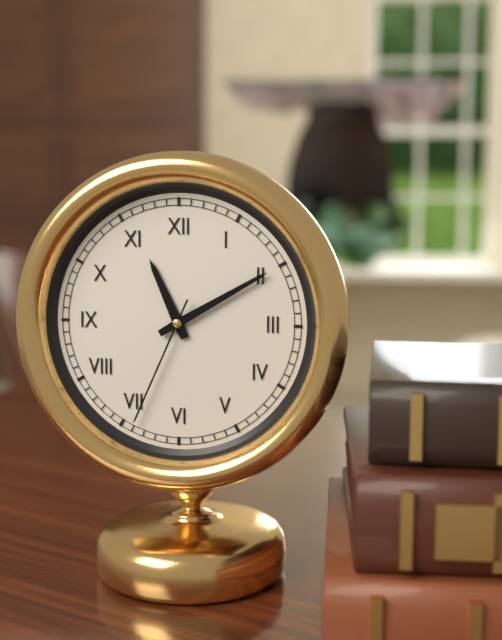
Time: {"hour": 11, "minute": 10, "second": 34}
